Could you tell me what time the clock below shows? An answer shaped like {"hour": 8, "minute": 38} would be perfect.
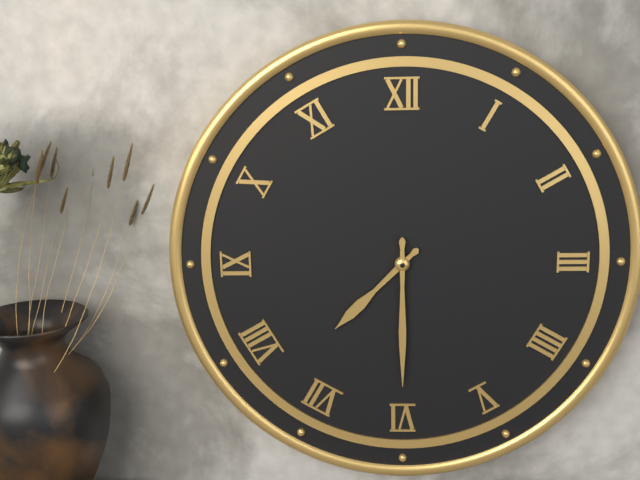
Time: {"hour": 7, "minute": 30}
